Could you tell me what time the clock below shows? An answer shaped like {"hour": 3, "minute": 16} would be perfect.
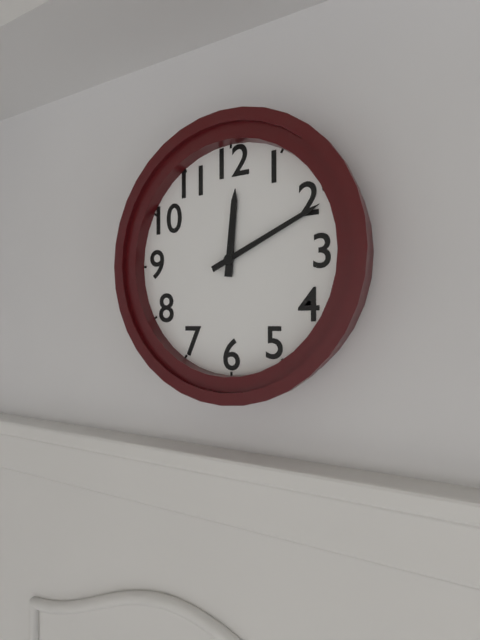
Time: {"hour": 12, "minute": 11}
